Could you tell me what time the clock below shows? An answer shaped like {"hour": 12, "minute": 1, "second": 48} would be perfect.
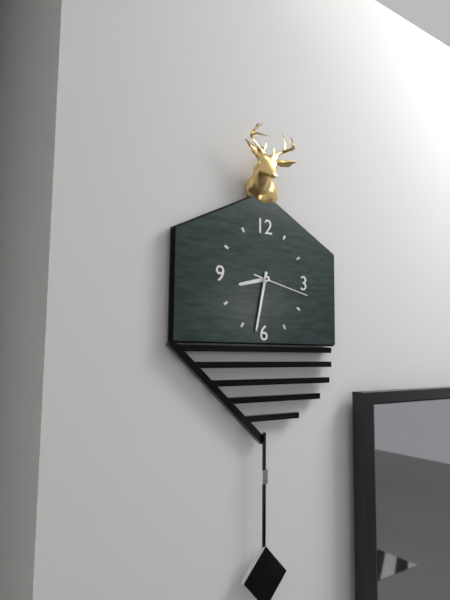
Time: {"hour": 8, "minute": 32, "second": 17}
